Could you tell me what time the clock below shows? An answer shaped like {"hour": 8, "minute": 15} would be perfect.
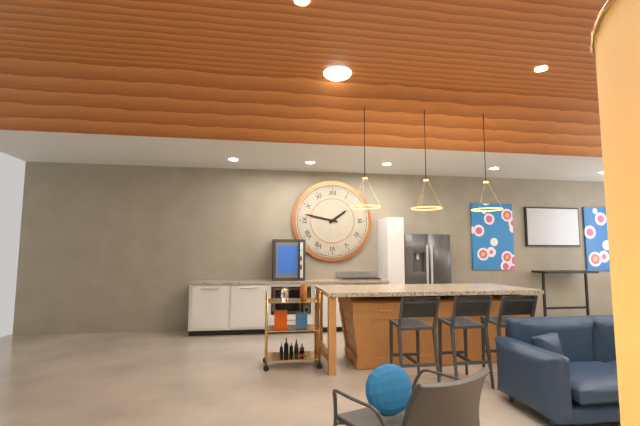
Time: {"hour": 1, "minute": 47}
